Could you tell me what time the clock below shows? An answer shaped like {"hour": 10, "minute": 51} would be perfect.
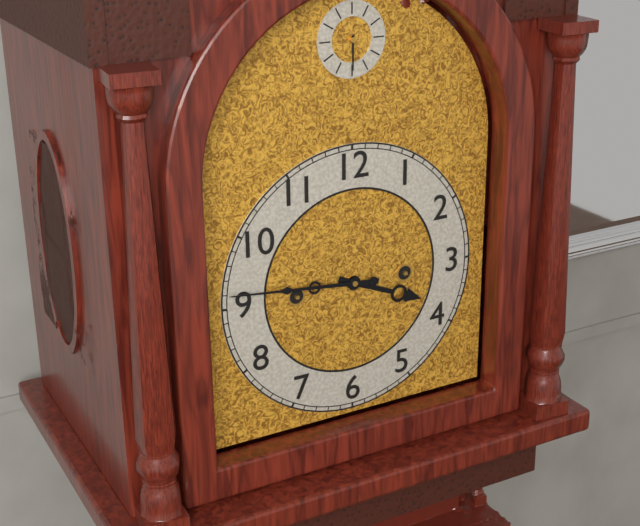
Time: {"hour": 3, "minute": 46}
